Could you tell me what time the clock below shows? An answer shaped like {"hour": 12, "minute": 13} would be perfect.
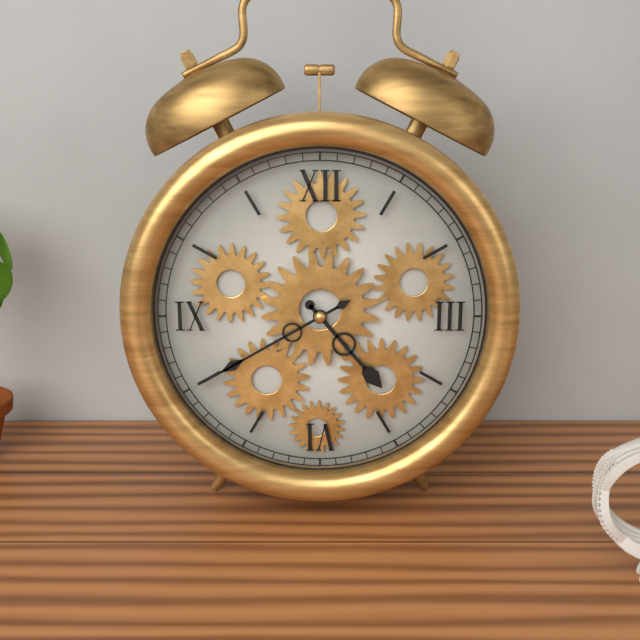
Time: {"hour": 4, "minute": 40}
